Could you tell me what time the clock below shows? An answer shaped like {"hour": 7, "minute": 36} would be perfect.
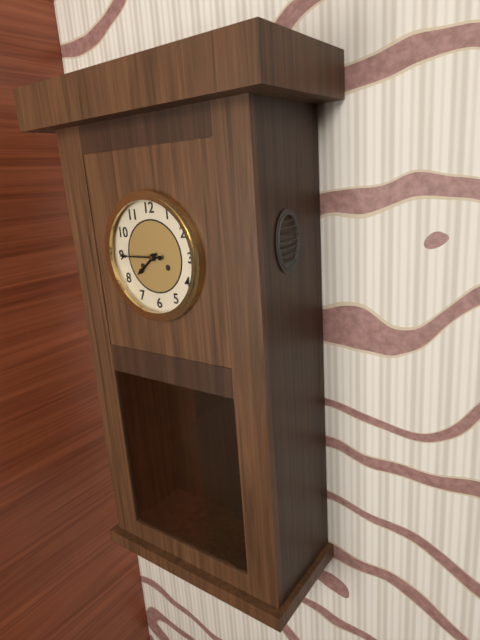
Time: {"hour": 7, "minute": 45}
